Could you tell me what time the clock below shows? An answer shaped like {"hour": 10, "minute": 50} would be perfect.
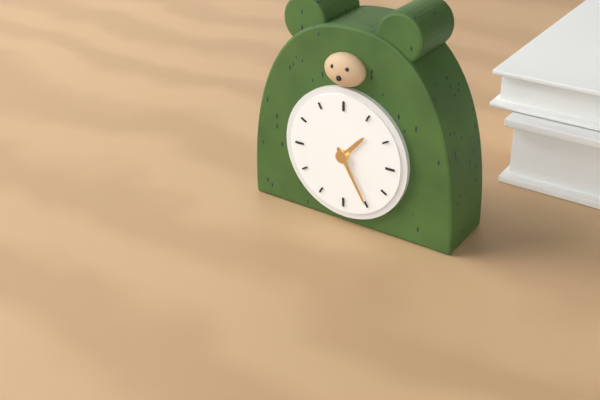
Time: {"hour": 1, "minute": 25}
